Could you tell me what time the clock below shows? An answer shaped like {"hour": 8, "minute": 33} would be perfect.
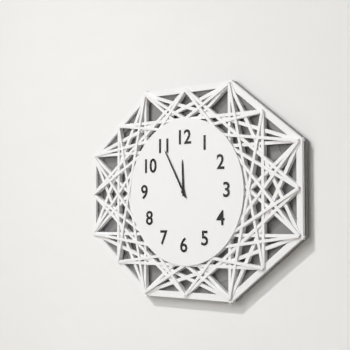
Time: {"hour": 11, "minute": 55}
